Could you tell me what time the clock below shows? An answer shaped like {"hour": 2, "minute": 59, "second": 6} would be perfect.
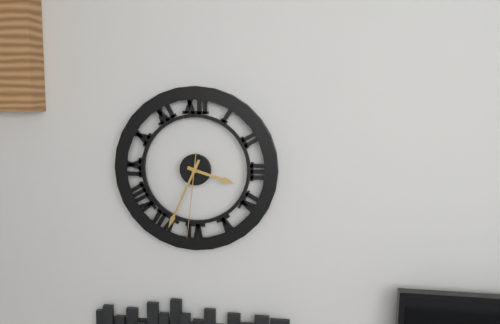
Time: {"hour": 3, "minute": 34, "second": 31}
